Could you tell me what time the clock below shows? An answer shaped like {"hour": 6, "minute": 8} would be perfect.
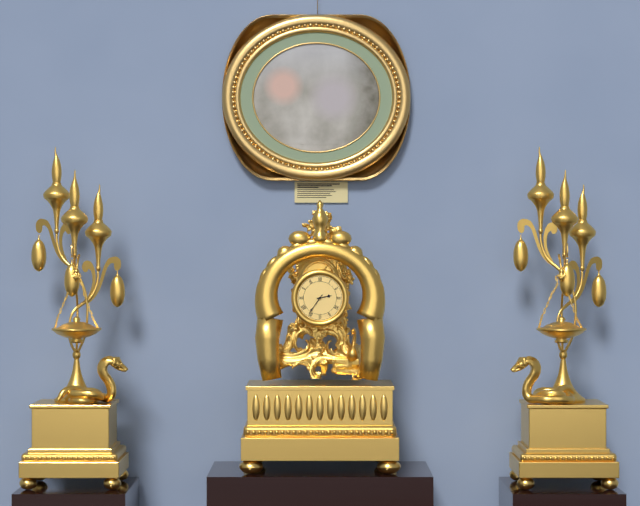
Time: {"hour": 2, "minute": 36}
